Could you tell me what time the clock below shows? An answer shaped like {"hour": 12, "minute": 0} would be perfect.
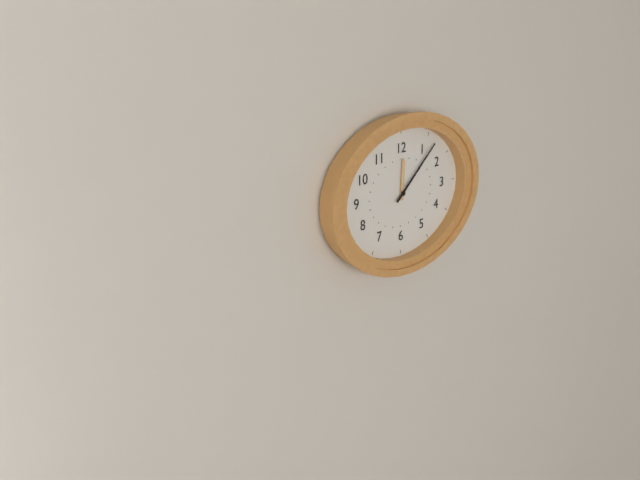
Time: {"hour": 12, "minute": 8}
